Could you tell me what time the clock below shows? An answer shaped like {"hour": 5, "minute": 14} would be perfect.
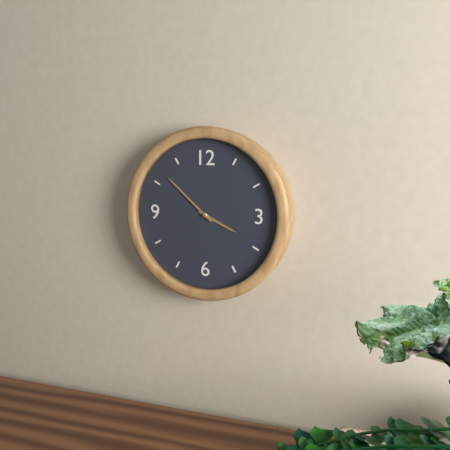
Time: {"hour": 3, "minute": 52}
